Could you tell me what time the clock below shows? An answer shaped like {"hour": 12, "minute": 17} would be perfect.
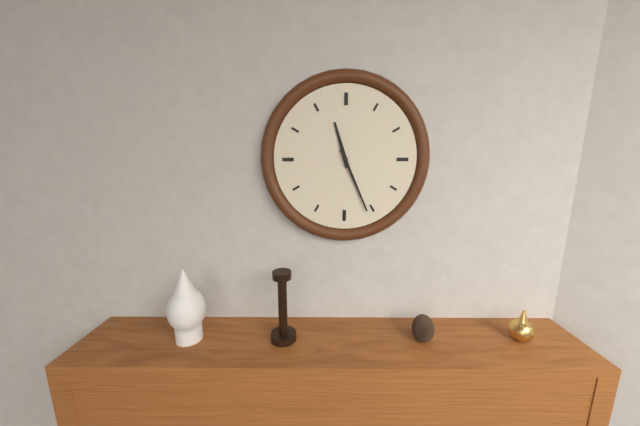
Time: {"hour": 11, "minute": 26}
